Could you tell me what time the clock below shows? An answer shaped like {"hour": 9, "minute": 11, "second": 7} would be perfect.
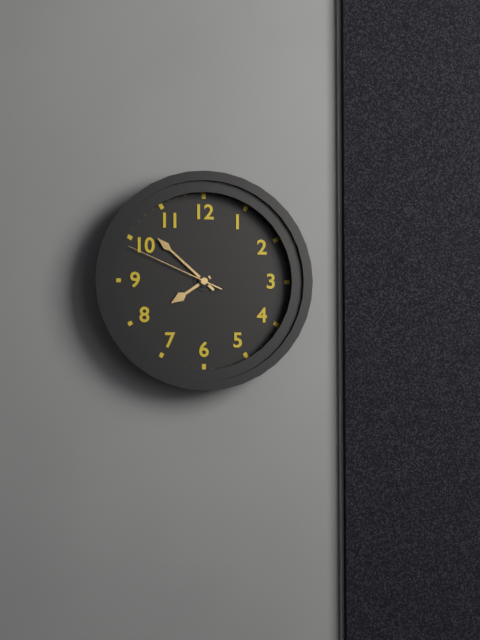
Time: {"hour": 7, "minute": 52, "second": 49}
